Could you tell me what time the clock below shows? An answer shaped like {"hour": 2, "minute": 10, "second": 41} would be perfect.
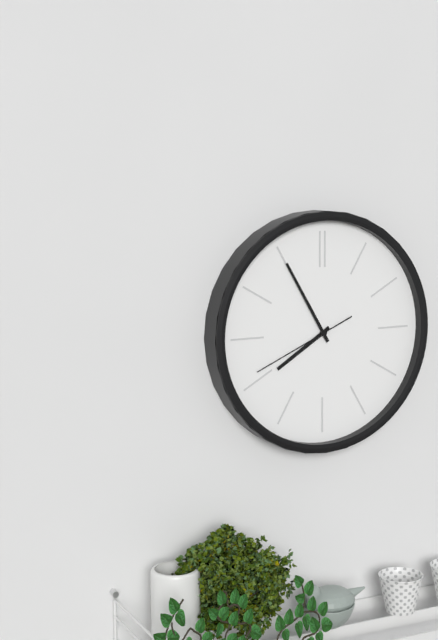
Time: {"hour": 7, "minute": 55, "second": 41}
